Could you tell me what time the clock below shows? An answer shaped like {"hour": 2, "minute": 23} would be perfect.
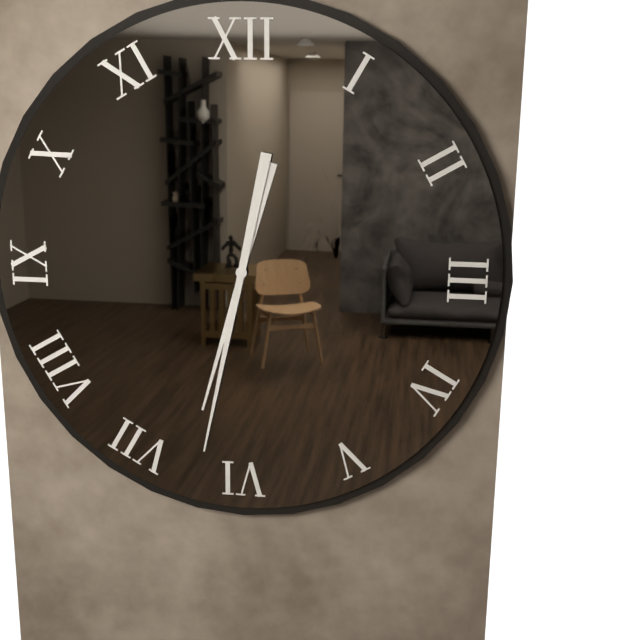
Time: {"hour": 6, "minute": 32}
